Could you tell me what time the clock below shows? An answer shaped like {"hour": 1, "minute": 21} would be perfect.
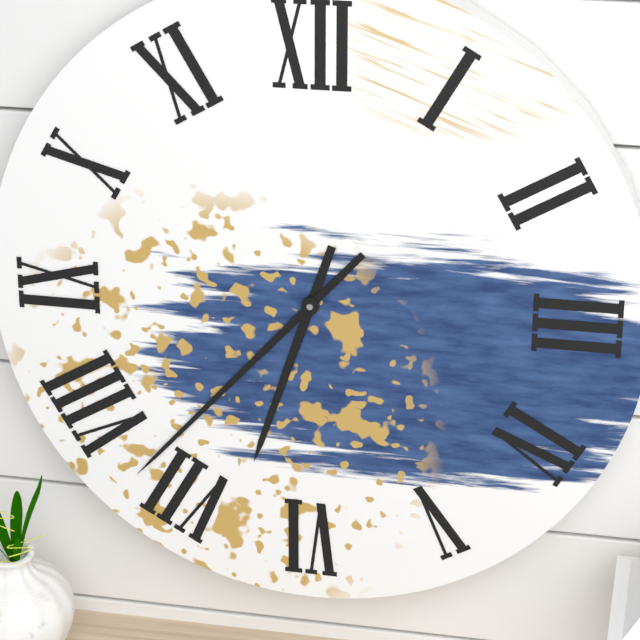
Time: {"hour": 6, "minute": 37}
